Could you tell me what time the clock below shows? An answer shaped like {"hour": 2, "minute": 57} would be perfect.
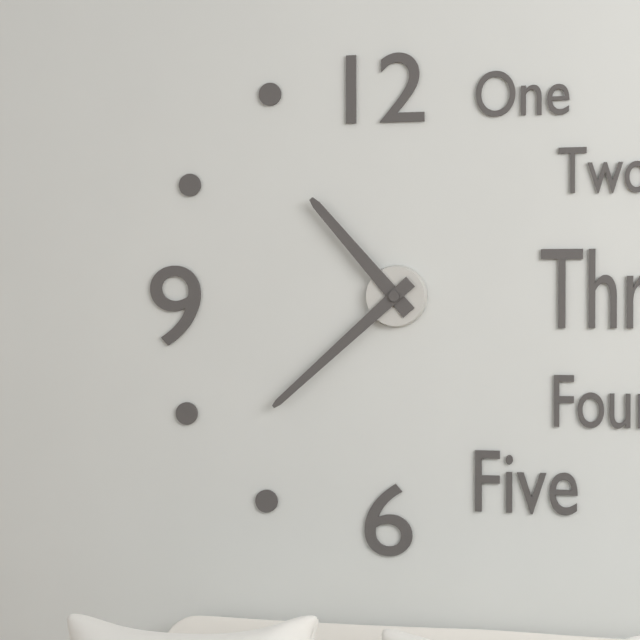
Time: {"hour": 10, "minute": 38}
